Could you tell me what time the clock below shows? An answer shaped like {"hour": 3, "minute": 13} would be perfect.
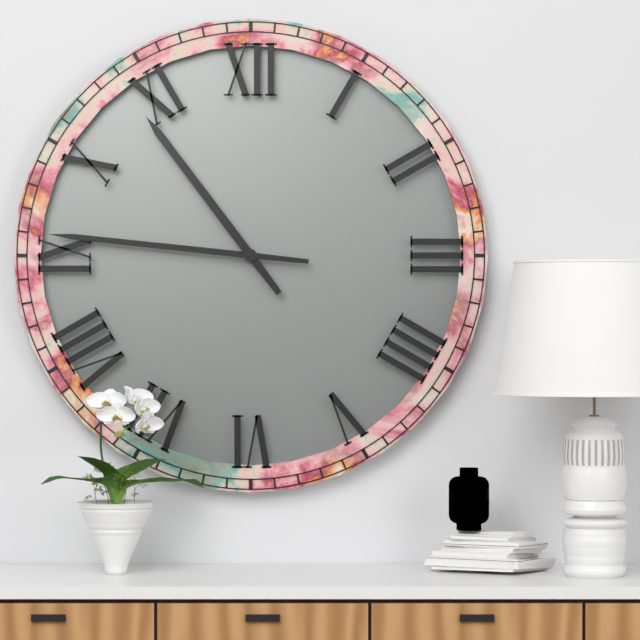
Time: {"hour": 10, "minute": 46}
